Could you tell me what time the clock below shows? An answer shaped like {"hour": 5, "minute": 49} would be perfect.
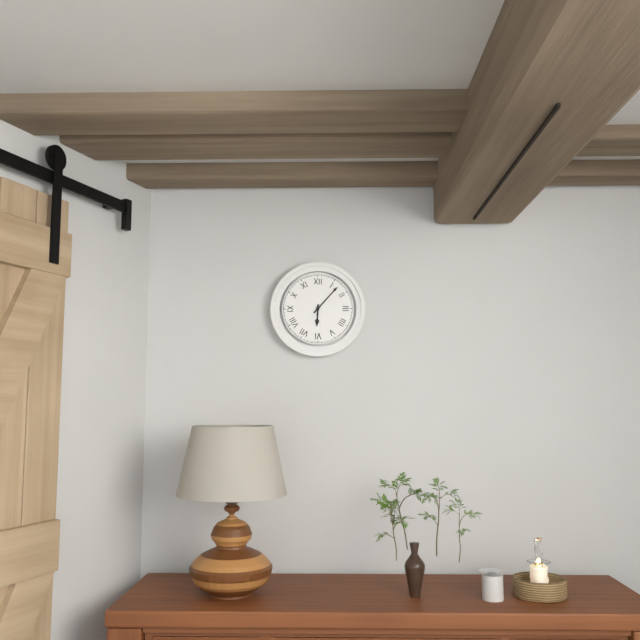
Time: {"hour": 6, "minute": 7}
